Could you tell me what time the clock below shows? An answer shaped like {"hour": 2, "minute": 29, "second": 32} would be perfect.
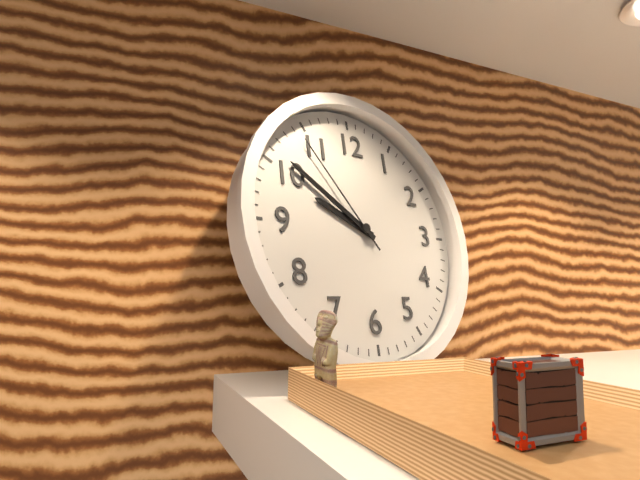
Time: {"hour": 9, "minute": 51, "second": 54}
